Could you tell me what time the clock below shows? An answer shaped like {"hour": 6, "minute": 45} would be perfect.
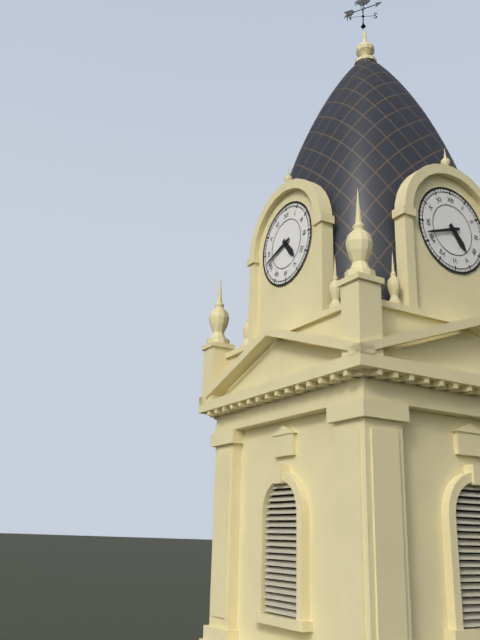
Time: {"hour": 4, "minute": 42}
